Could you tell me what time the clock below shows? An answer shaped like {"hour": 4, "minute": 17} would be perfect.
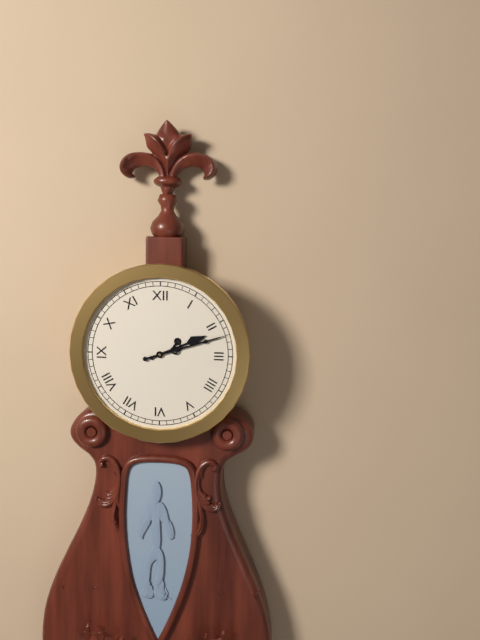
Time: {"hour": 2, "minute": 12}
